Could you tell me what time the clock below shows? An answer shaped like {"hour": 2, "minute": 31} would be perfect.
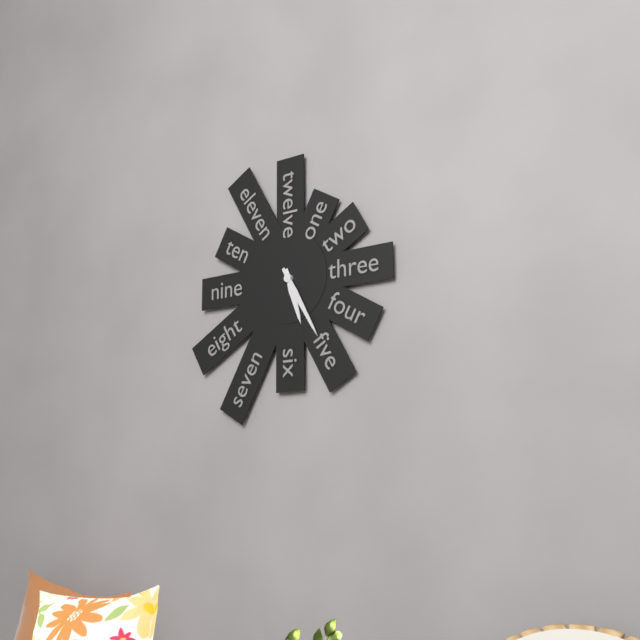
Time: {"hour": 5, "minute": 25}
